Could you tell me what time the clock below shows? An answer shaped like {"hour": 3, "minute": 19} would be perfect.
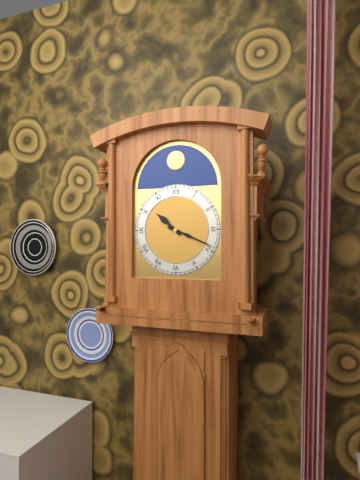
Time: {"hour": 10, "minute": 19}
